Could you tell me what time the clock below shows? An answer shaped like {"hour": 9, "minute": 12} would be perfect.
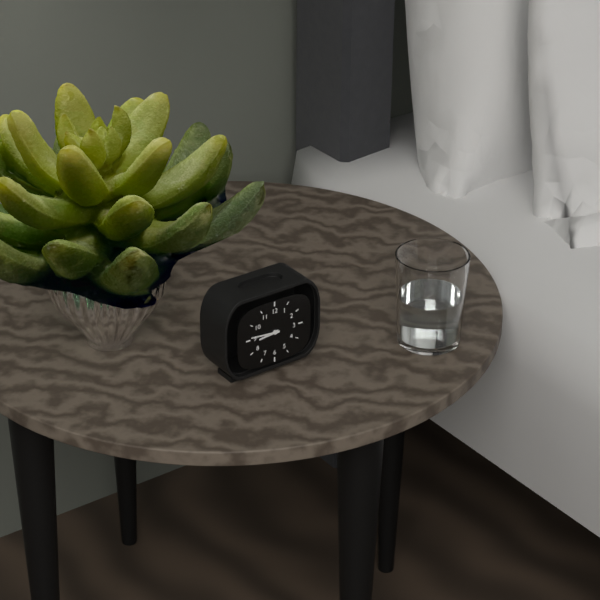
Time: {"hour": 8, "minute": 46}
